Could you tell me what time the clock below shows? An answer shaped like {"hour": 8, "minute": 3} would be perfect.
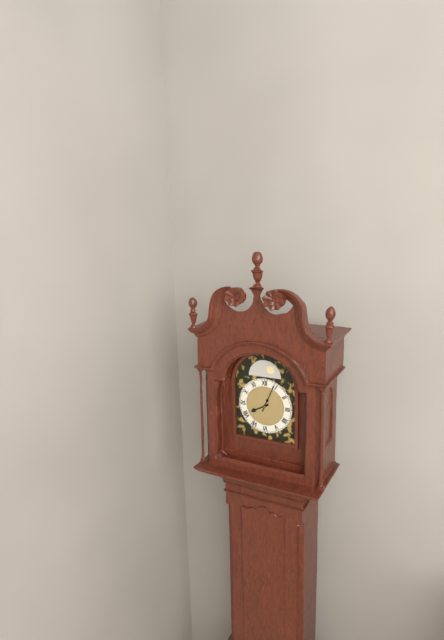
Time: {"hour": 8, "minute": 4}
